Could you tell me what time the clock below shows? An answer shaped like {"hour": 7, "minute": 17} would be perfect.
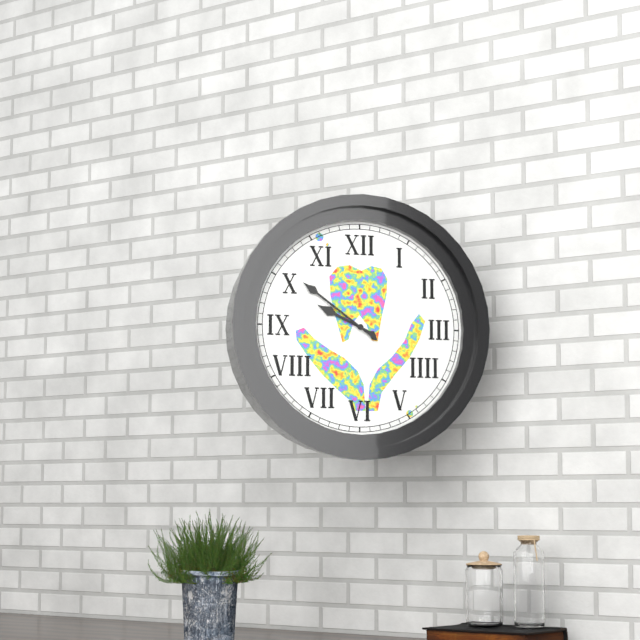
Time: {"hour": 9, "minute": 51}
